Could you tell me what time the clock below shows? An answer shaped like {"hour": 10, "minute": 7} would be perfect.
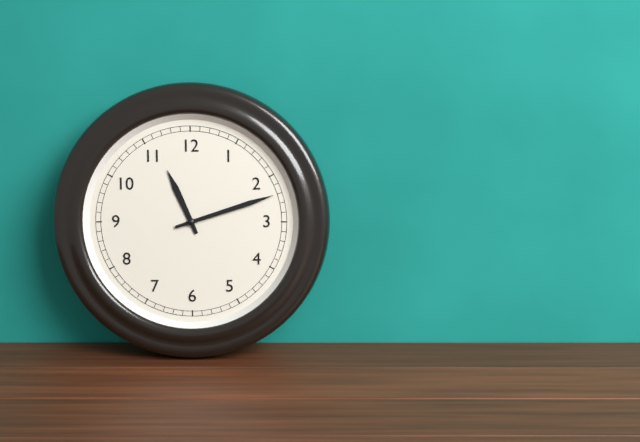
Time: {"hour": 11, "minute": 12}
